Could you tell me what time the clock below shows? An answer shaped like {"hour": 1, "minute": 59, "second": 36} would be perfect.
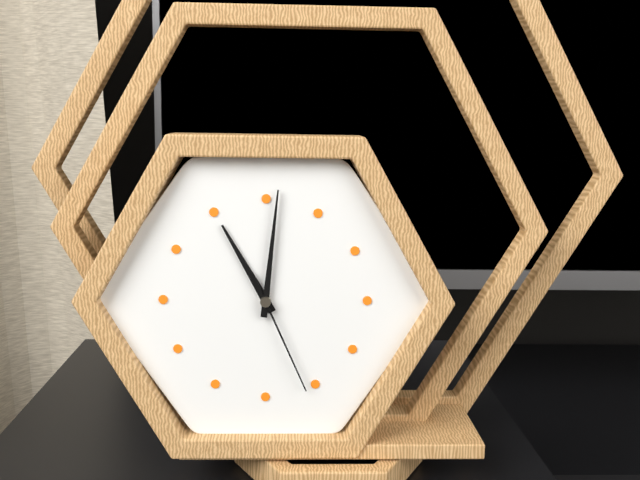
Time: {"hour": 11, "minute": 1, "second": 26}
